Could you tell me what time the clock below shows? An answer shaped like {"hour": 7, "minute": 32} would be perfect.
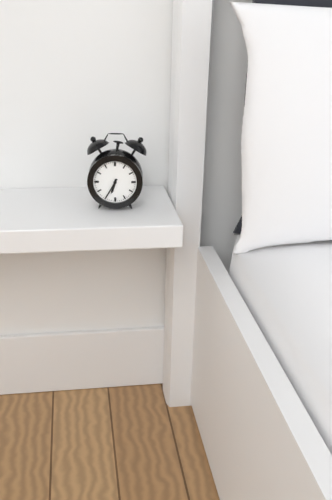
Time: {"hour": 6, "minute": 35}
